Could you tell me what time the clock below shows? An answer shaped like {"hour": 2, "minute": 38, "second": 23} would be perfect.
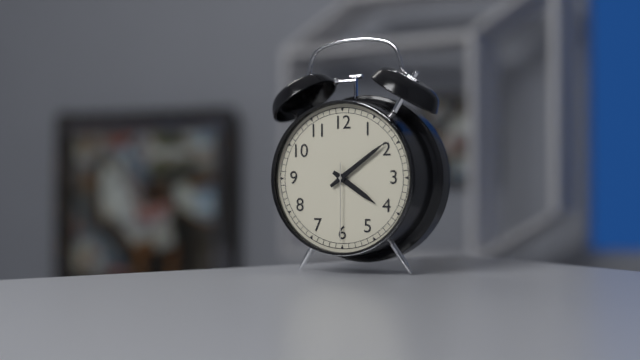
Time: {"hour": 4, "minute": 9, "second": 30}
